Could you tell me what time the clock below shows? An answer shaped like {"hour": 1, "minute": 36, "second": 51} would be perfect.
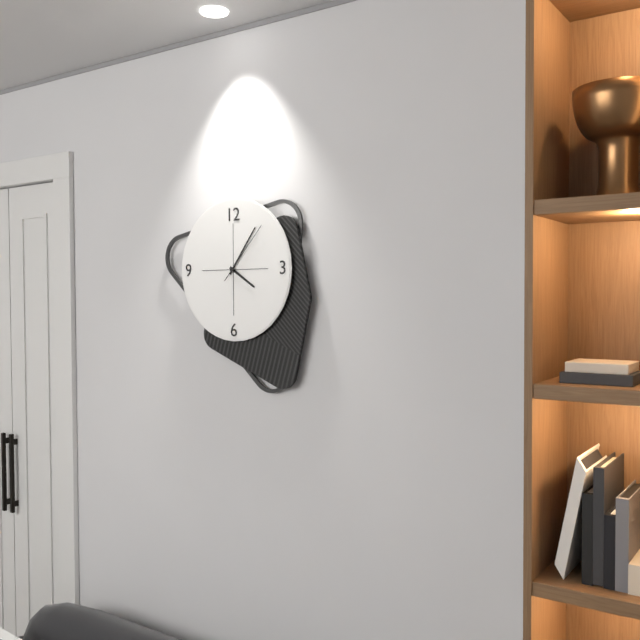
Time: {"hour": 4, "minute": 6, "second": 7}
